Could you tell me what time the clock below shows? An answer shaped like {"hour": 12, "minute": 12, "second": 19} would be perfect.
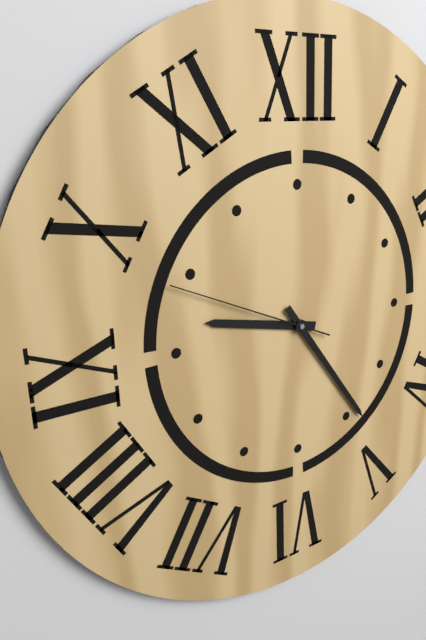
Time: {"hour": 9, "minute": 24, "second": 49}
